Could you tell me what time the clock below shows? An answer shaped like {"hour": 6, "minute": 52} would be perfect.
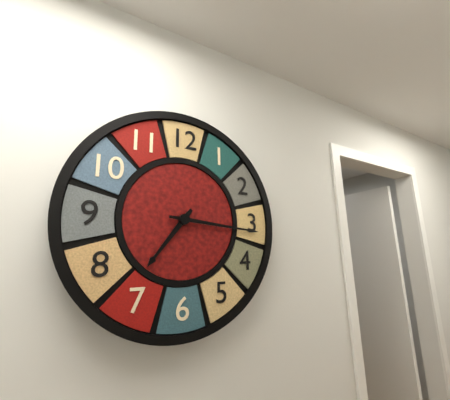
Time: {"hour": 7, "minute": 16}
